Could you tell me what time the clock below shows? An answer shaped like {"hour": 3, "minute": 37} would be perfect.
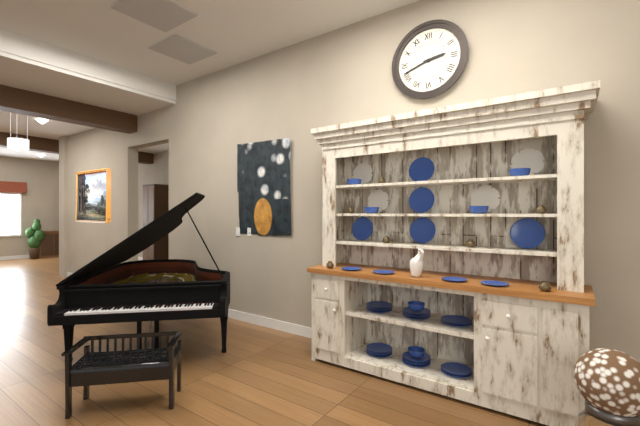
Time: {"hour": 2, "minute": 42}
